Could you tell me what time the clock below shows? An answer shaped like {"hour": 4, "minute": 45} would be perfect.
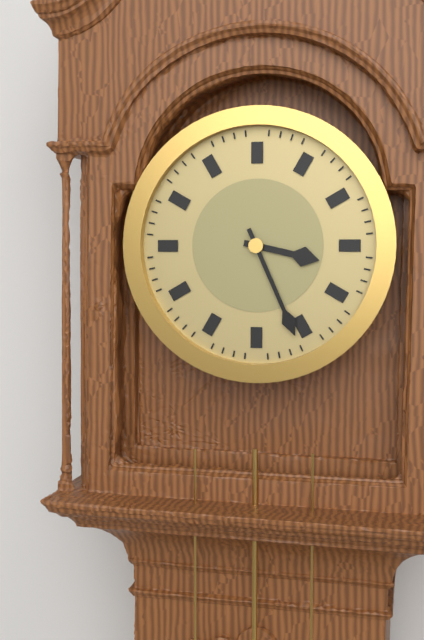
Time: {"hour": 3, "minute": 26}
